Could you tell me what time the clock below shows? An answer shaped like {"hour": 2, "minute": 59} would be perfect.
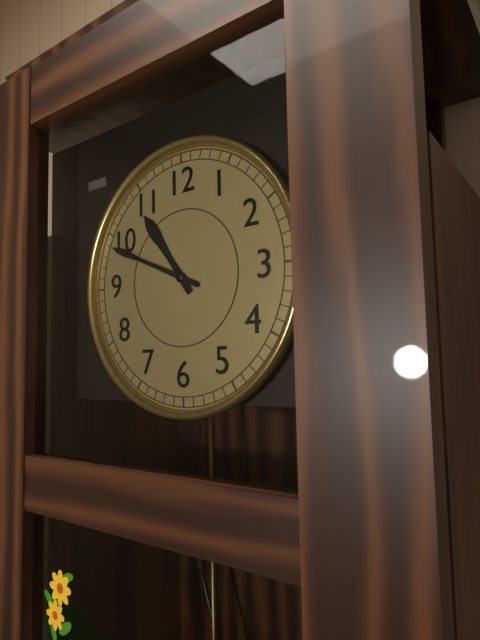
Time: {"hour": 10, "minute": 49}
